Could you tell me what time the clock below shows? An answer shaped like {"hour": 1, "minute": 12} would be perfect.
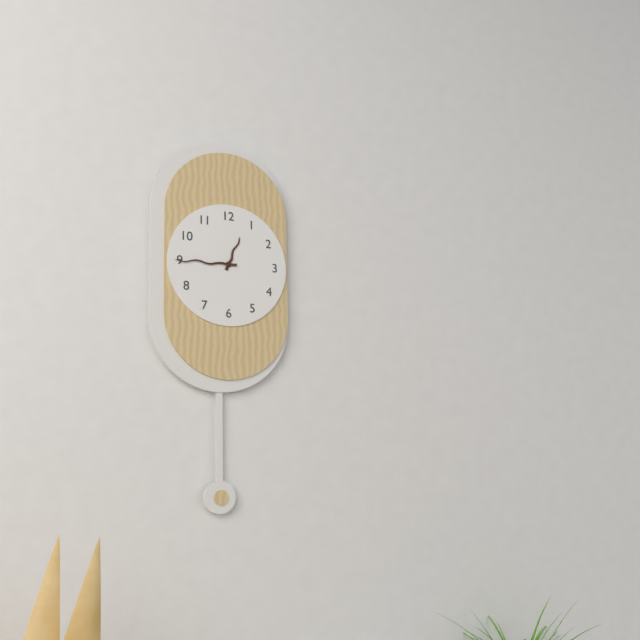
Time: {"hour": 12, "minute": 45}
